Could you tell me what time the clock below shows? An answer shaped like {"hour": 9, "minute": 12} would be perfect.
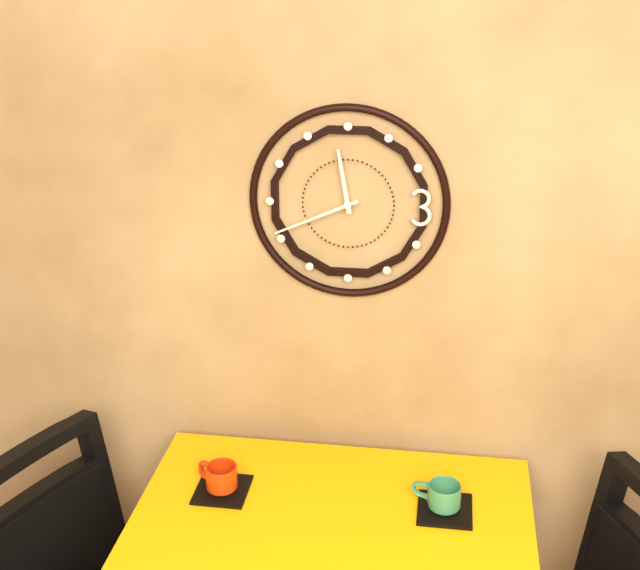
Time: {"hour": 11, "minute": 41}
